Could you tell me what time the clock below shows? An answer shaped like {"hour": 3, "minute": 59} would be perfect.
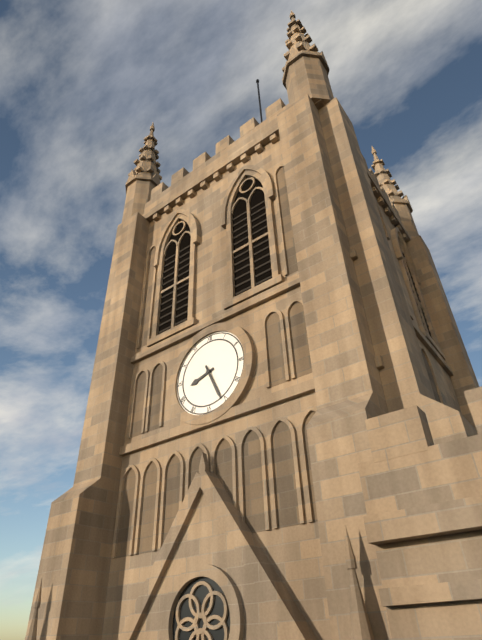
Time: {"hour": 8, "minute": 26}
